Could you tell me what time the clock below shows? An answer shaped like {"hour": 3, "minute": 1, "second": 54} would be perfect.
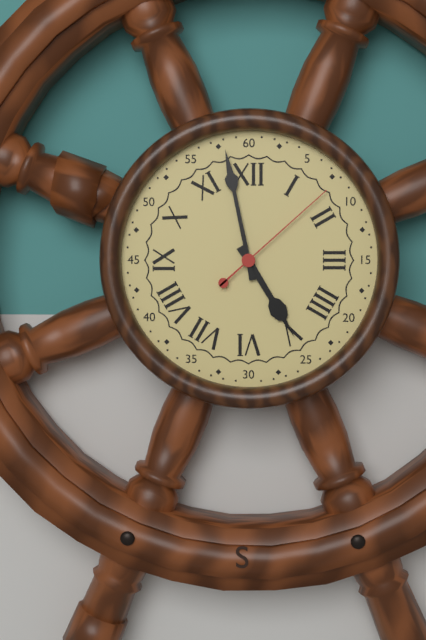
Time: {"hour": 4, "minute": 58, "second": 8}
